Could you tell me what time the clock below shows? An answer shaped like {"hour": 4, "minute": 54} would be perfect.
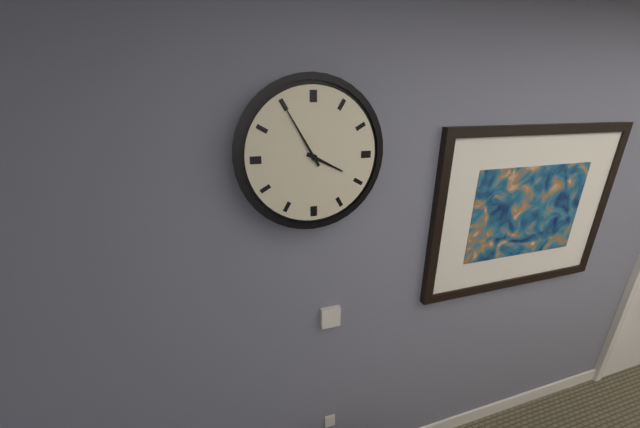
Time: {"hour": 3, "minute": 55}
